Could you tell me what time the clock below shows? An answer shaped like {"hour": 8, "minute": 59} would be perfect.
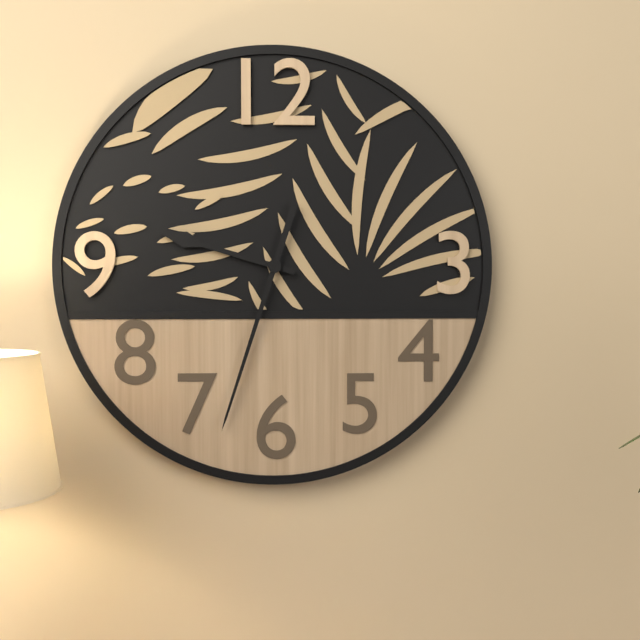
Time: {"hour": 9, "minute": 33}
